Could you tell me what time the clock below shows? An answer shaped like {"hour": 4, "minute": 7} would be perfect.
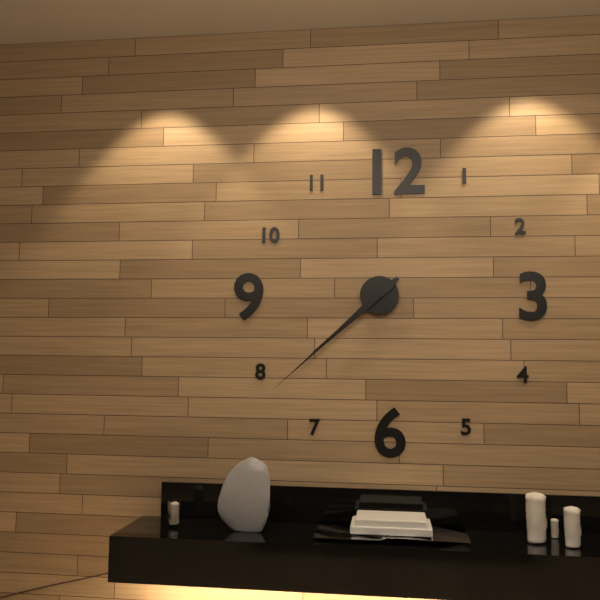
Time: {"hour": 7, "minute": 38}
